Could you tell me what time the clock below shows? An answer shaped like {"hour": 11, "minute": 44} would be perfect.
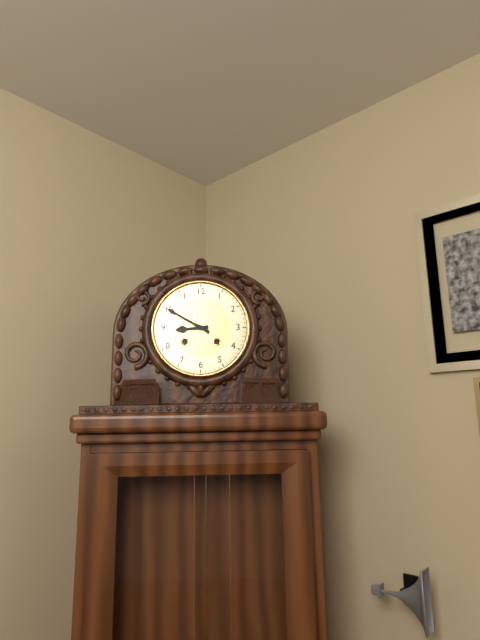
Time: {"hour": 8, "minute": 50}
